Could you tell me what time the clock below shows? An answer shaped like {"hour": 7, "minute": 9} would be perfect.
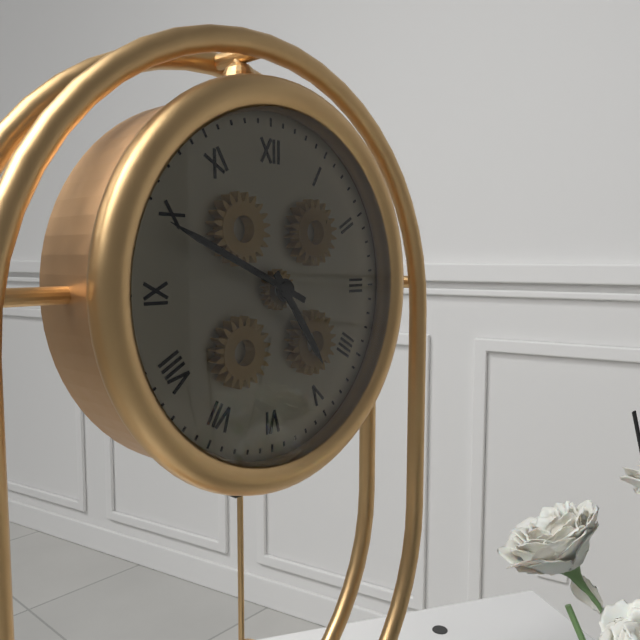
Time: {"hour": 4, "minute": 49}
